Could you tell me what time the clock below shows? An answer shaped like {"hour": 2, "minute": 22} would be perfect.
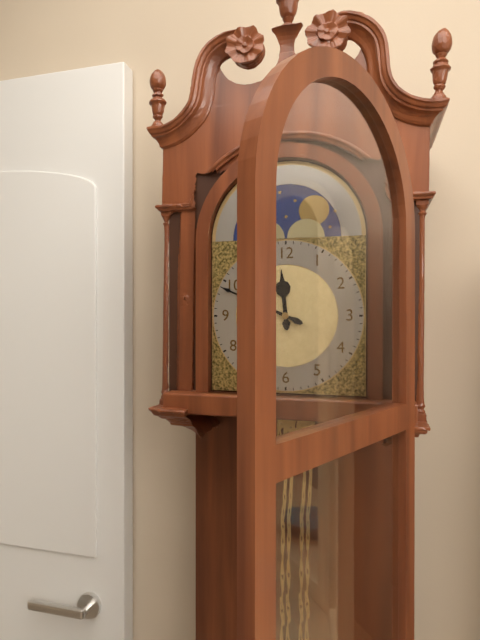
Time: {"hour": 11, "minute": 49}
